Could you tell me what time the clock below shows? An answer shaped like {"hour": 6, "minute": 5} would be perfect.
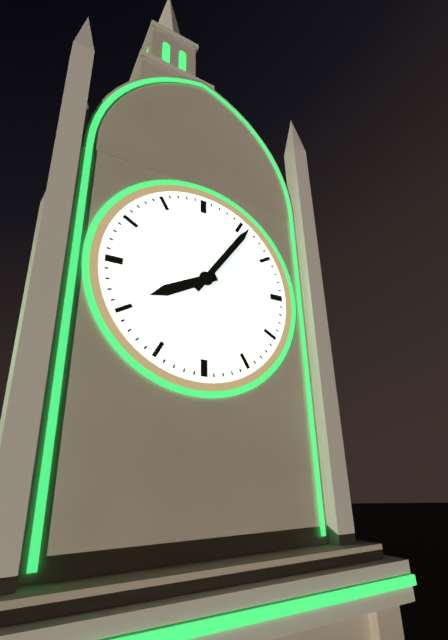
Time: {"hour": 8, "minute": 6}
